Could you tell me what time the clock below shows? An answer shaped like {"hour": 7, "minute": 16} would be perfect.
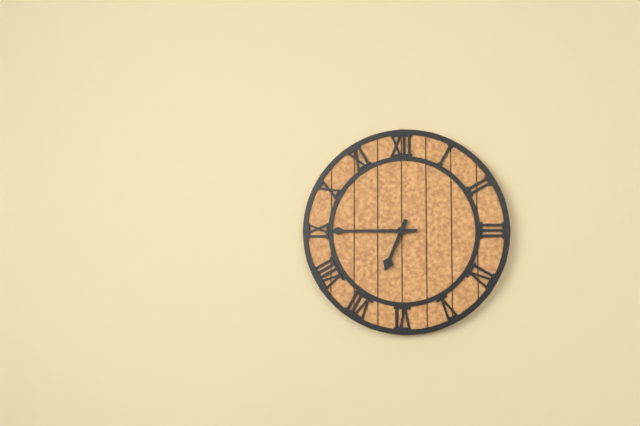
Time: {"hour": 6, "minute": 45}
